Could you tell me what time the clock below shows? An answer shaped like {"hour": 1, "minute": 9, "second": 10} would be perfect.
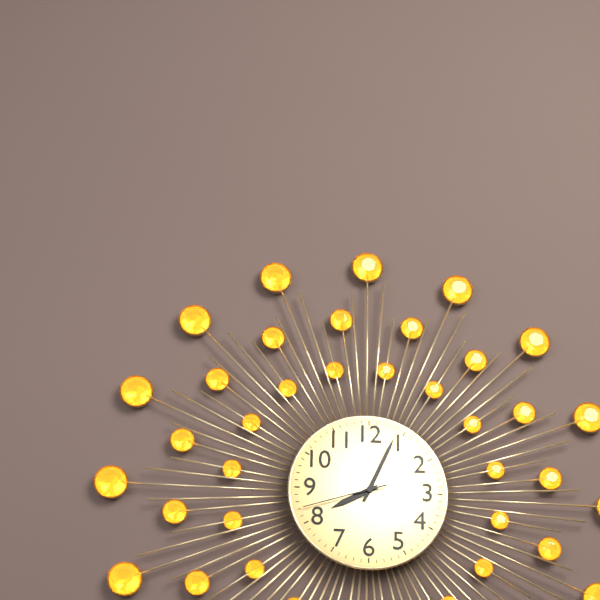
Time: {"hour": 8, "minute": 4, "second": 42}
